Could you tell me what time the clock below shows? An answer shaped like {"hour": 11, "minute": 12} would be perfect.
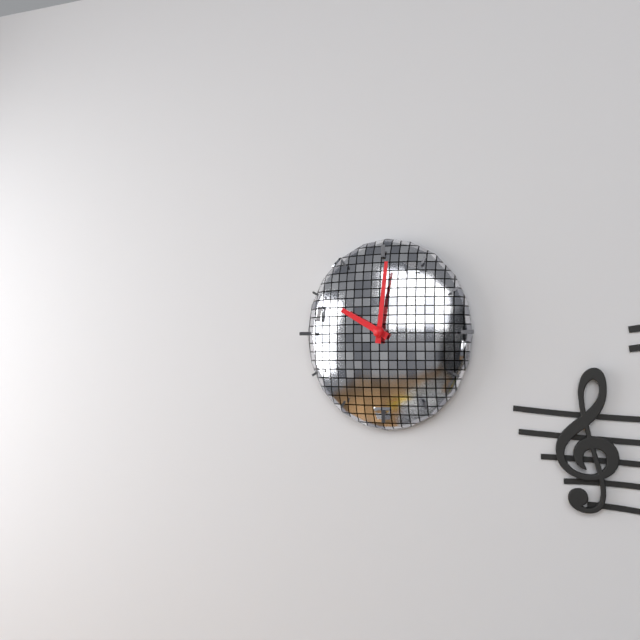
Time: {"hour": 10, "minute": 1}
